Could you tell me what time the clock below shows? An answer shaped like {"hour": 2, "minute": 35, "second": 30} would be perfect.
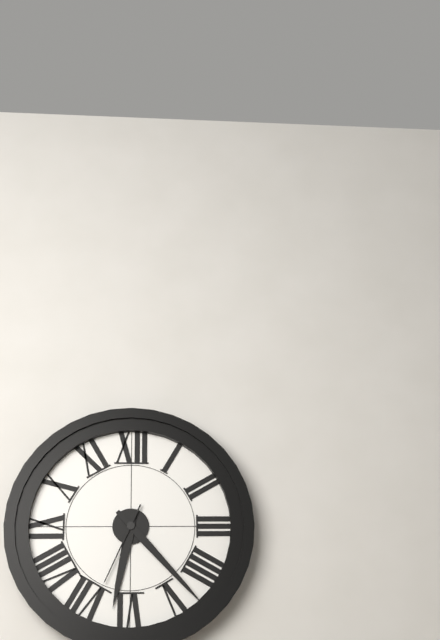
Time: {"hour": 6, "minute": 23, "second": 34}
